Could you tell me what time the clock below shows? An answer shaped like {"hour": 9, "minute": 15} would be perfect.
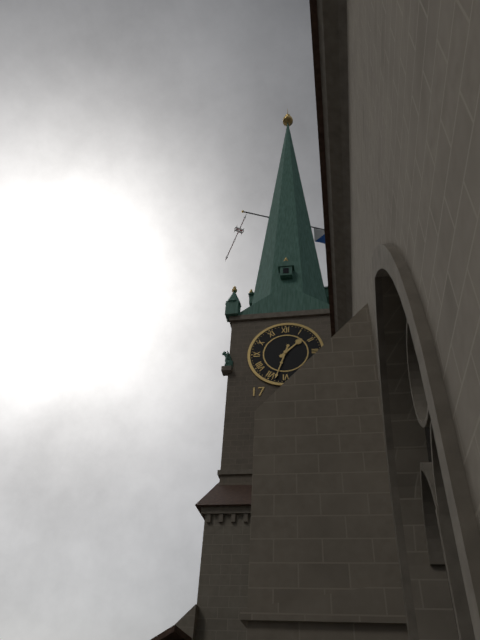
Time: {"hour": 1, "minute": 33}
